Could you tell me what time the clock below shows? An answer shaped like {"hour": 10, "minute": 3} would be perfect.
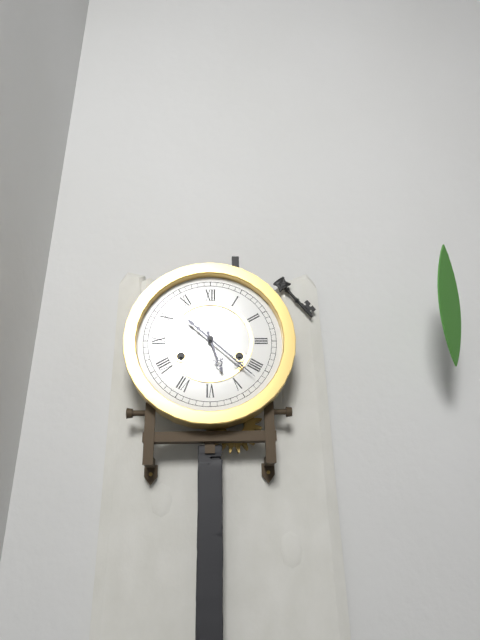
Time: {"hour": 5, "minute": 22}
